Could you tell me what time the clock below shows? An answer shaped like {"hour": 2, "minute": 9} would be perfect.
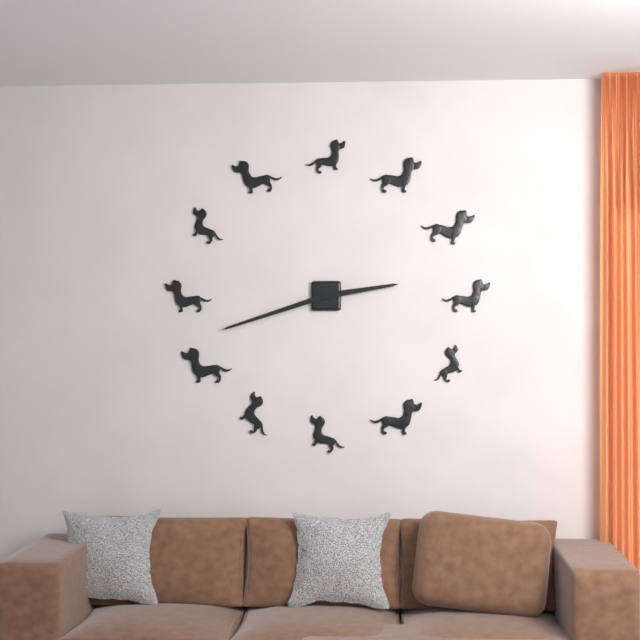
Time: {"hour": 2, "minute": 42}
